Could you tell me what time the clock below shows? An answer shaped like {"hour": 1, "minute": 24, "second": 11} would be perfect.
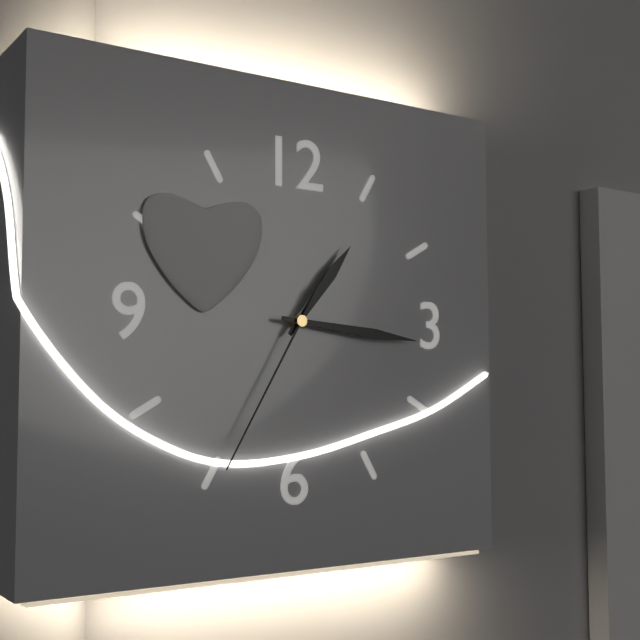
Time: {"hour": 1, "minute": 16, "second": 35}
